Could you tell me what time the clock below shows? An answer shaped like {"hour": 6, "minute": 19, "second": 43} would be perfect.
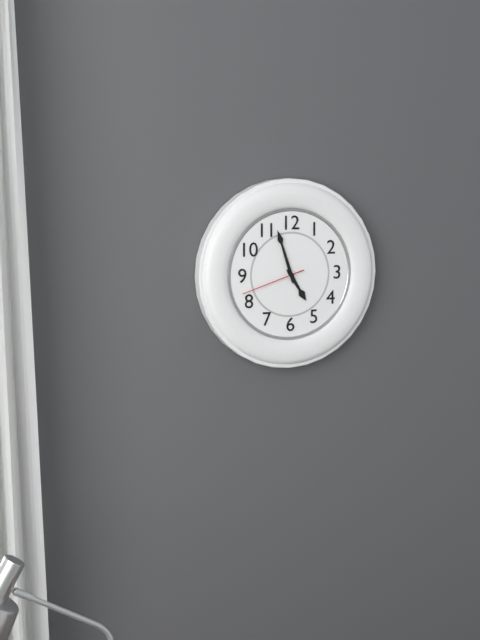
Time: {"hour": 4, "minute": 57, "second": 42}
